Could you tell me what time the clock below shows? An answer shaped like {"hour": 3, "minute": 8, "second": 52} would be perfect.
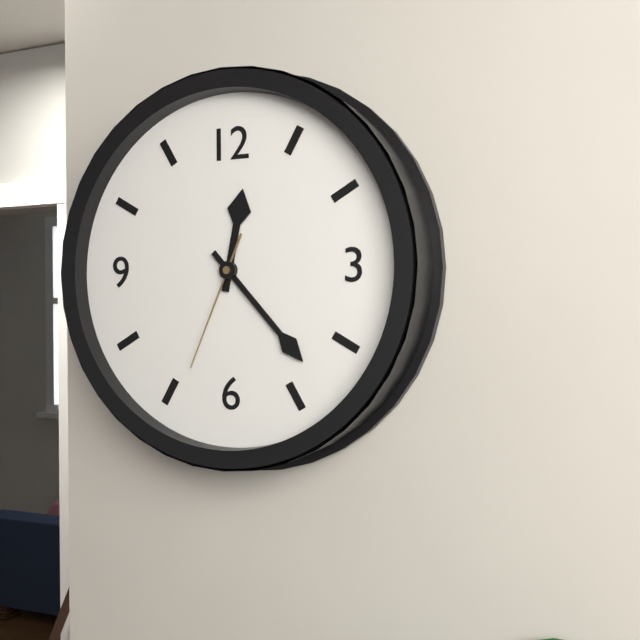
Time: {"hour": 12, "minute": 23, "second": 34}
